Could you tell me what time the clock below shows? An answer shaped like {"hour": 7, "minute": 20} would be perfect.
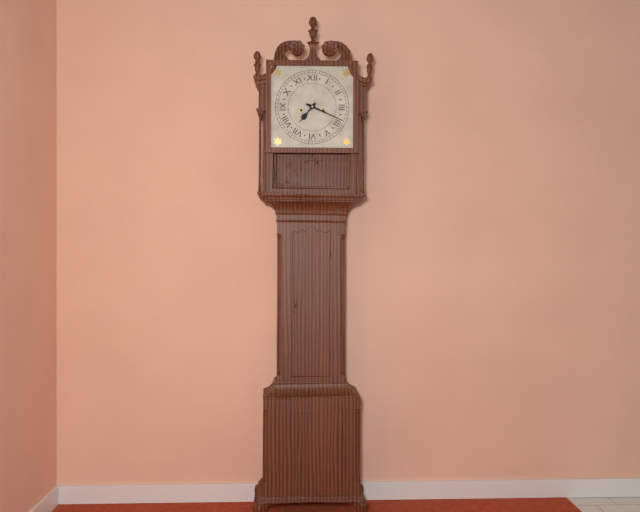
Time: {"hour": 7, "minute": 19}
